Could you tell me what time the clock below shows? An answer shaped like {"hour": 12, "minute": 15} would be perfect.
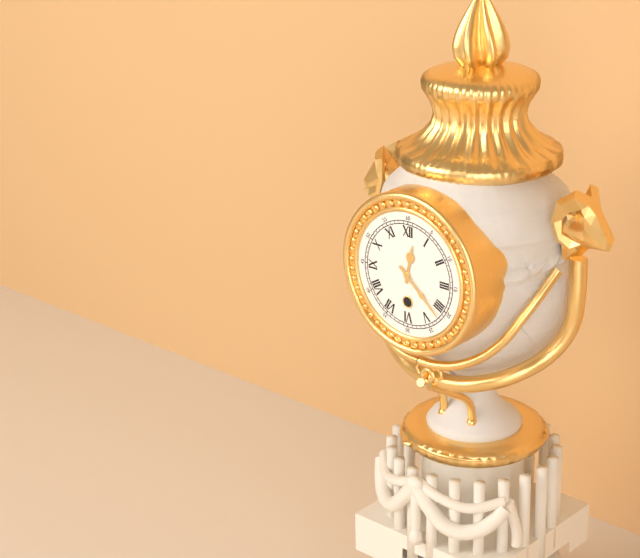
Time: {"hour": 12, "minute": 22}
